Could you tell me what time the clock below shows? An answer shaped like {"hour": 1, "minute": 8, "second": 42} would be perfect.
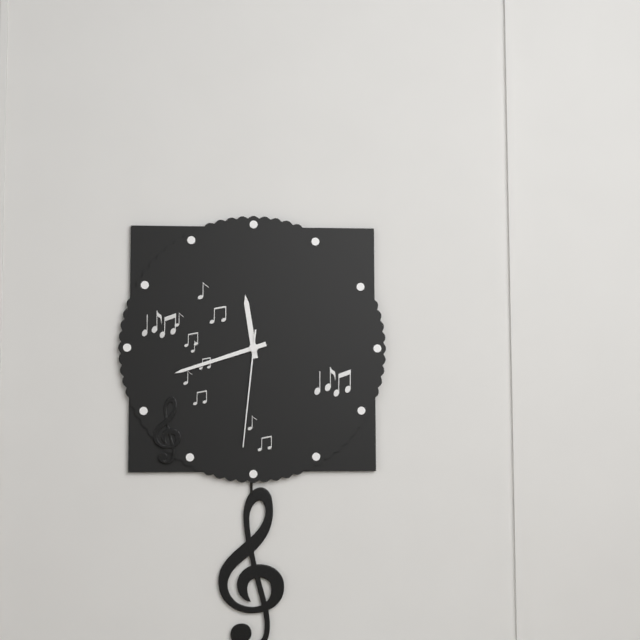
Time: {"hour": 11, "minute": 42, "second": 31}
